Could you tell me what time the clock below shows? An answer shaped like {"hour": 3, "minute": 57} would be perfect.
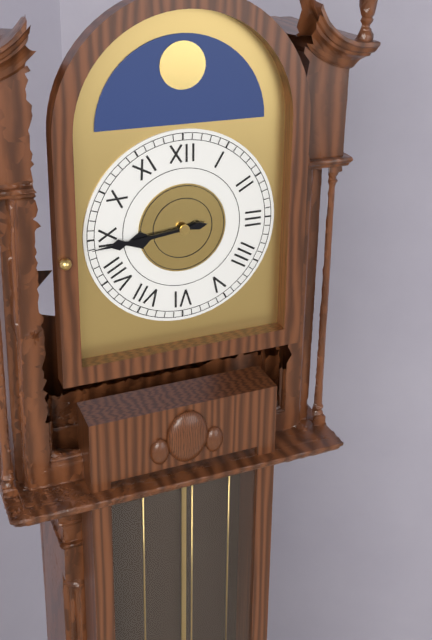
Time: {"hour": 8, "minute": 44}
